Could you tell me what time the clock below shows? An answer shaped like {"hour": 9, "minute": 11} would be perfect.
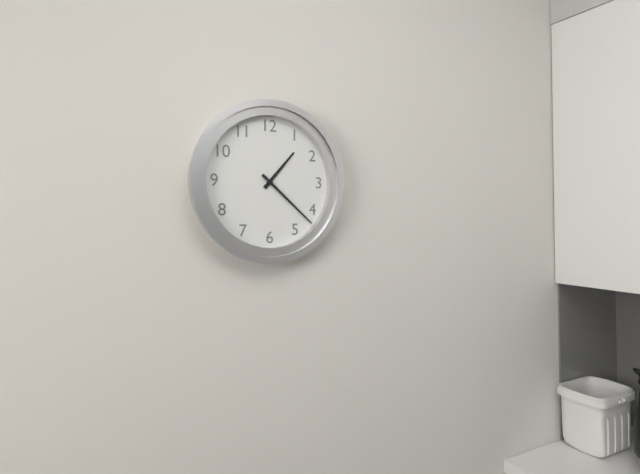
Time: {"hour": 1, "minute": 22}
